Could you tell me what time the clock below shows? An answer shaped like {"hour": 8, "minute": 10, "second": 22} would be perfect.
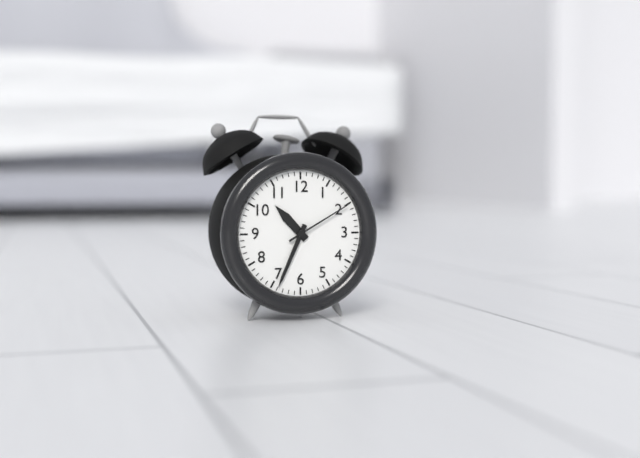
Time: {"hour": 10, "minute": 34, "second": 10}
